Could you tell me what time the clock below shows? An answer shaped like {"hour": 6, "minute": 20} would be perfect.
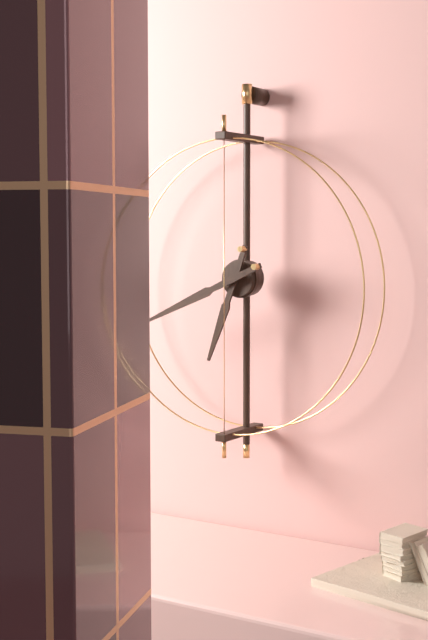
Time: {"hour": 6, "minute": 41}
